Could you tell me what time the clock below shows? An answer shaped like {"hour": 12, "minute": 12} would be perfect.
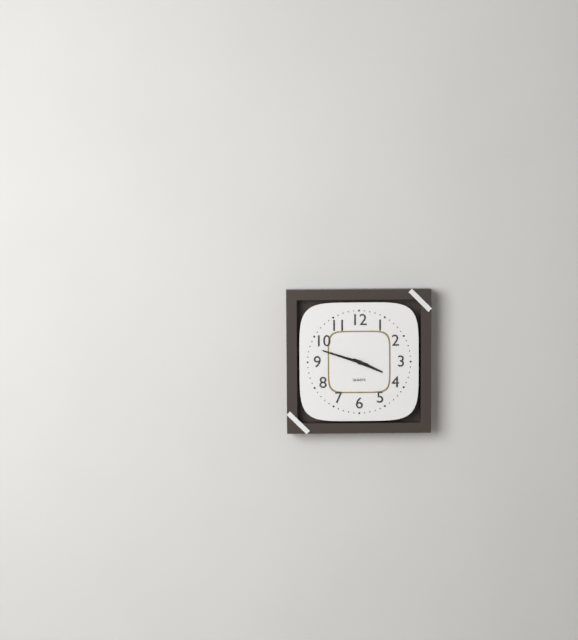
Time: {"hour": 3, "minute": 48}
